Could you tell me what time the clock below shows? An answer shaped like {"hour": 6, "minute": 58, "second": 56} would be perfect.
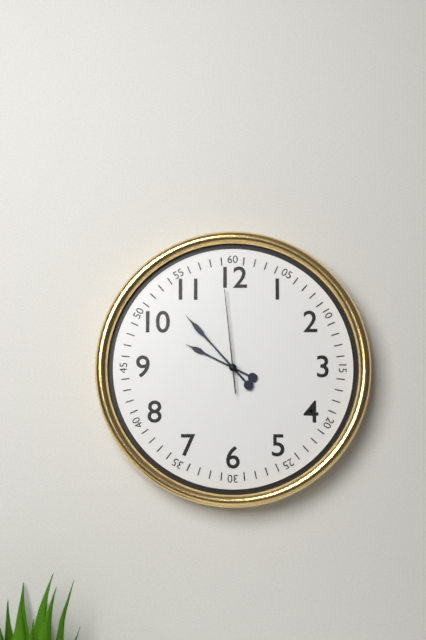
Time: {"hour": 9, "minute": 53, "second": 59}
